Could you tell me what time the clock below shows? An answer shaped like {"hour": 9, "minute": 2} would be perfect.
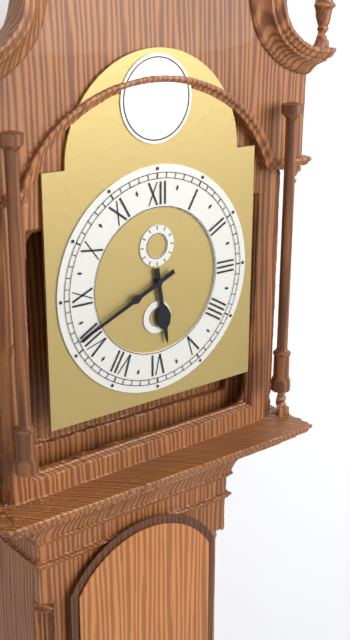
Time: {"hour": 5, "minute": 41}
